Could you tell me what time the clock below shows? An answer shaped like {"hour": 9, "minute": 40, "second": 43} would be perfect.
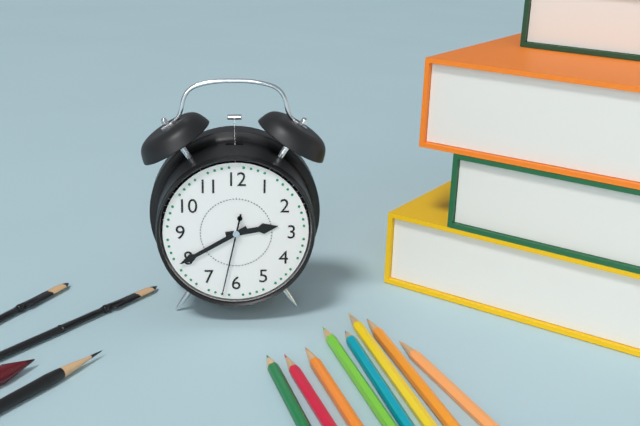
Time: {"hour": 2, "minute": 40, "second": 32}
